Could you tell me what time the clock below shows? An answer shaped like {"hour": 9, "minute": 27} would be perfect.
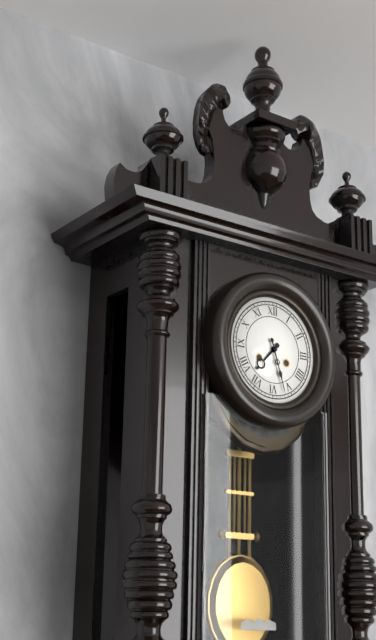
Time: {"hour": 7, "minute": 27}
